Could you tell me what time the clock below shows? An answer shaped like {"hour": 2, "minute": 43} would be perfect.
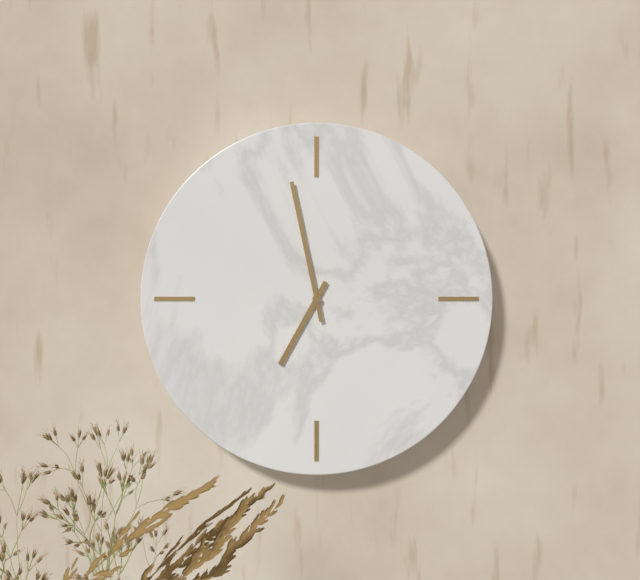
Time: {"hour": 6, "minute": 58}
